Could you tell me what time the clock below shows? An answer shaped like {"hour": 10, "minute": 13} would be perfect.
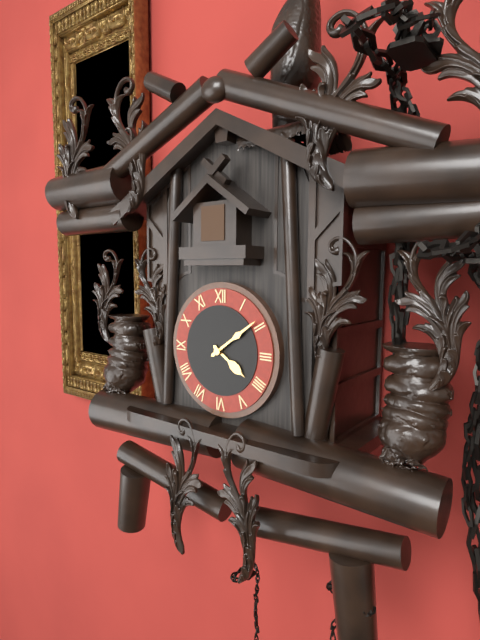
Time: {"hour": 4, "minute": 9}
